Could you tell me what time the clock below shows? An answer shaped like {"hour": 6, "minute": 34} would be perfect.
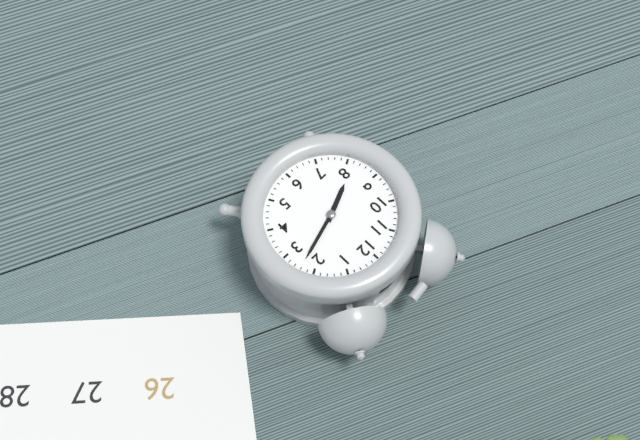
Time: {"hour": 8, "minute": 12}
